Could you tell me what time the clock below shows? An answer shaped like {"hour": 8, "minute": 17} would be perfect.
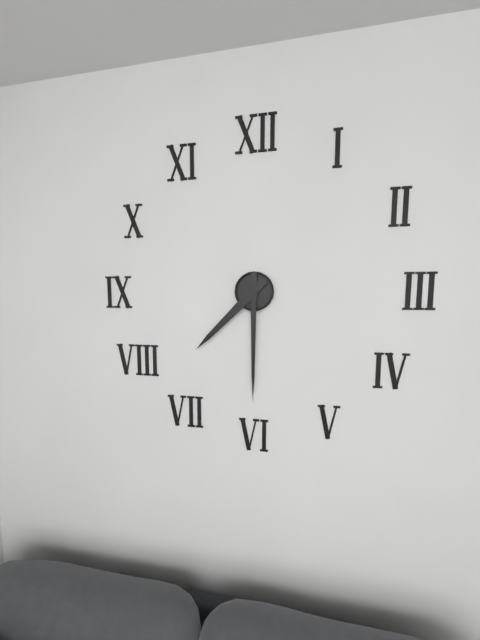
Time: {"hour": 7, "minute": 30}
